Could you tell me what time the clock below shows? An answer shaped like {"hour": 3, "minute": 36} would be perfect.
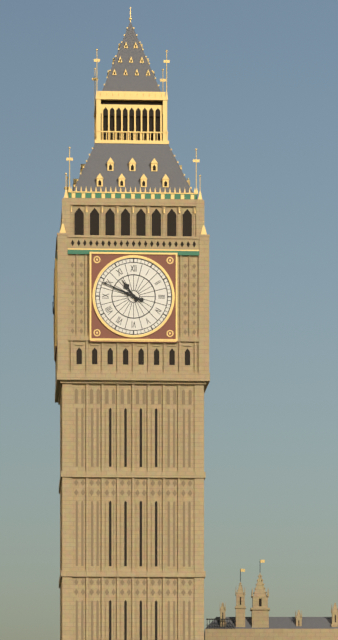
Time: {"hour": 10, "minute": 49}
